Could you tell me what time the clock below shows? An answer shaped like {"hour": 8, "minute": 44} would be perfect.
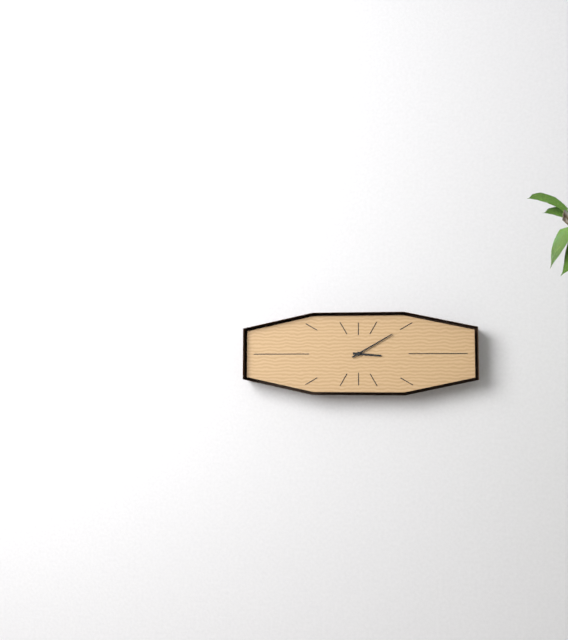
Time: {"hour": 3, "minute": 10}
